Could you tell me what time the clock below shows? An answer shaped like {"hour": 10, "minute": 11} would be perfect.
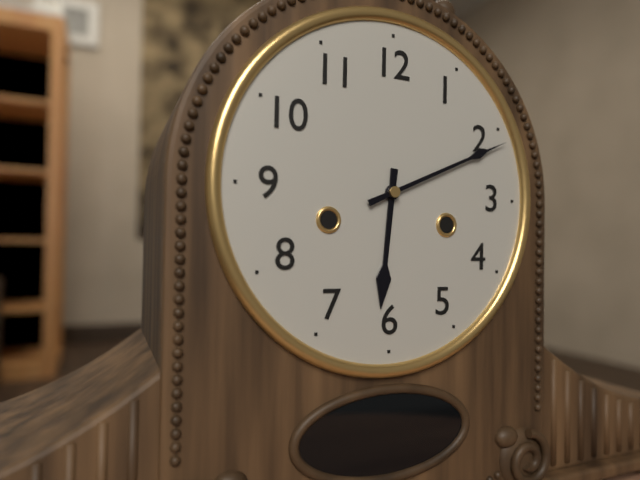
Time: {"hour": 6, "minute": 11}
